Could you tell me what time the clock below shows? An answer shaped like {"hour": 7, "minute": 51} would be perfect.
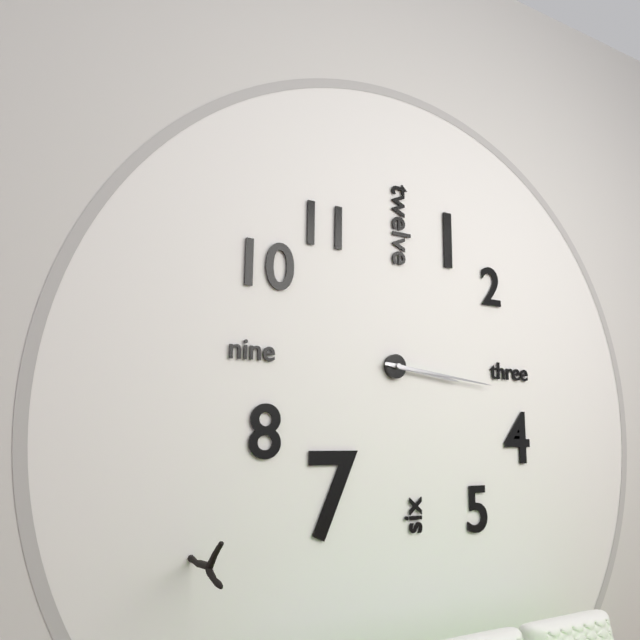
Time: {"hour": 3, "minute": 16}
